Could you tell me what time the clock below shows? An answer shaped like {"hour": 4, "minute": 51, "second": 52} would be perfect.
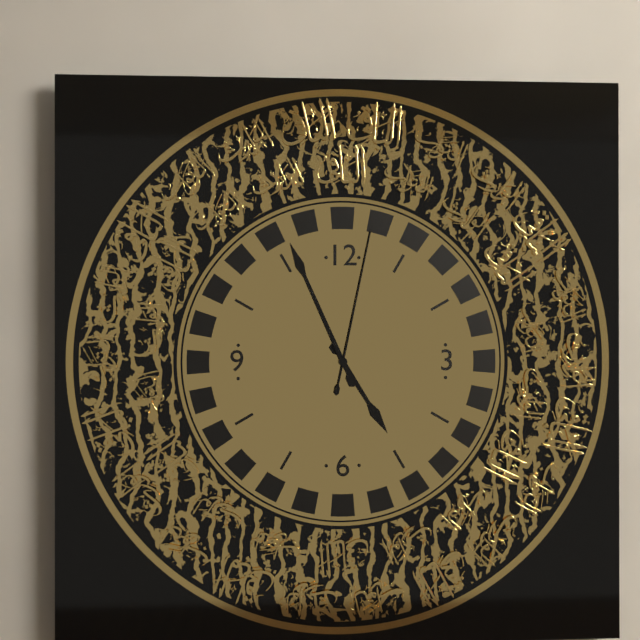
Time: {"hour": 4, "minute": 56, "second": 2}
